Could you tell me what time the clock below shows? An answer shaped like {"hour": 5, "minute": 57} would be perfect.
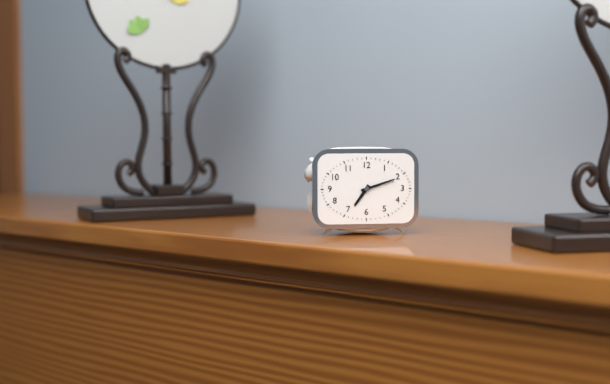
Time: {"hour": 7, "minute": 12}
